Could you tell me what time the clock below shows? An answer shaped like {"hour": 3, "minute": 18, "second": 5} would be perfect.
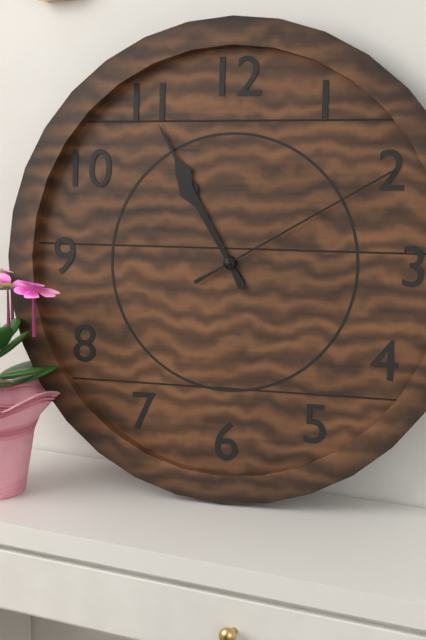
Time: {"hour": 10, "minute": 55, "second": 10}
